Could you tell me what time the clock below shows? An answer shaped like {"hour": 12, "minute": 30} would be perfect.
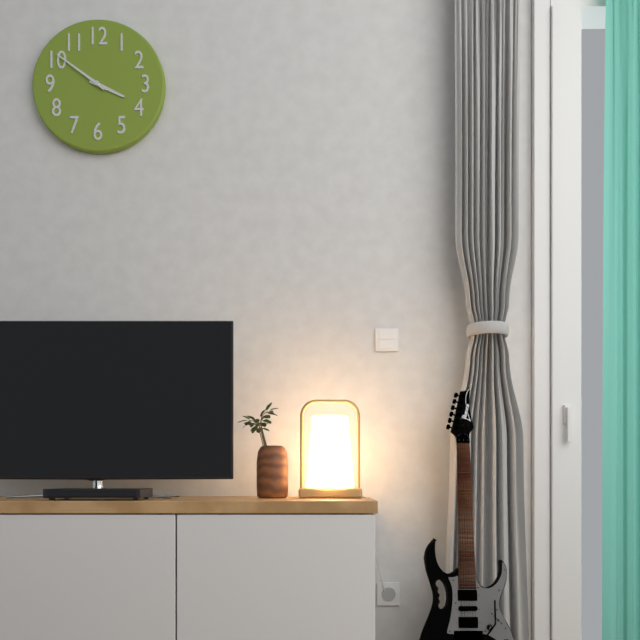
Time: {"hour": 3, "minute": 51}
